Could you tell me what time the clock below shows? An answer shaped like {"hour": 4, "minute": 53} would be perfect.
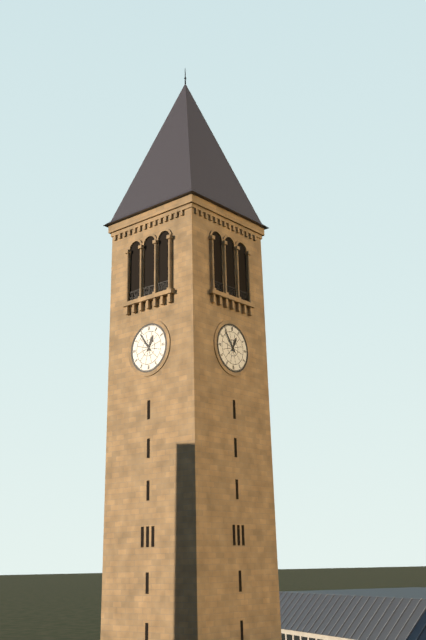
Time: {"hour": 12, "minute": 54}
